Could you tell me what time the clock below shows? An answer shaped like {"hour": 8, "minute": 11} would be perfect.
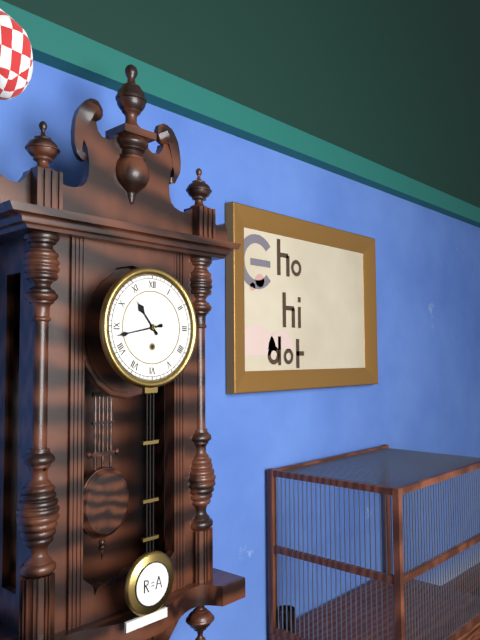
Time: {"hour": 10, "minute": 43}
